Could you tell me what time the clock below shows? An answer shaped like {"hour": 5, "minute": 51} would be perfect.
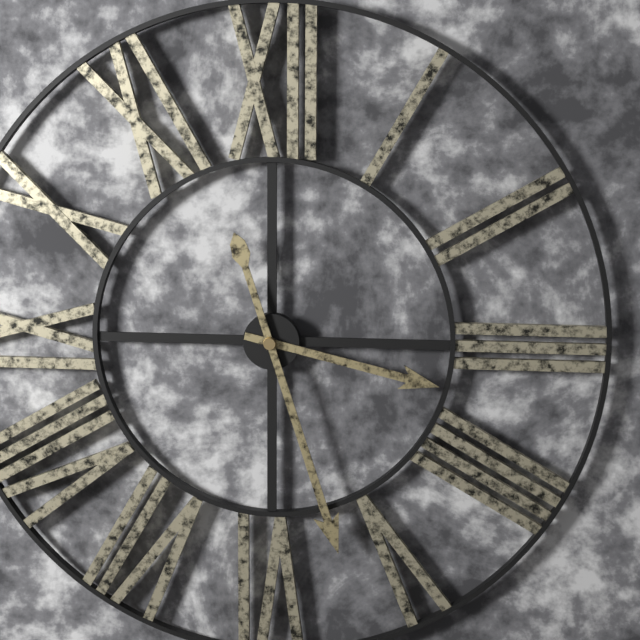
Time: {"hour": 3, "minute": 27}
